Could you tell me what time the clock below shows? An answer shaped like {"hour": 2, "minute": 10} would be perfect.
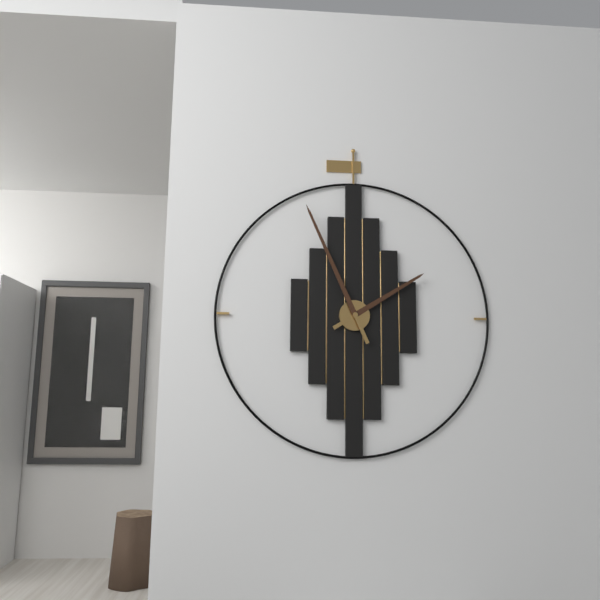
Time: {"hour": 1, "minute": 56}
